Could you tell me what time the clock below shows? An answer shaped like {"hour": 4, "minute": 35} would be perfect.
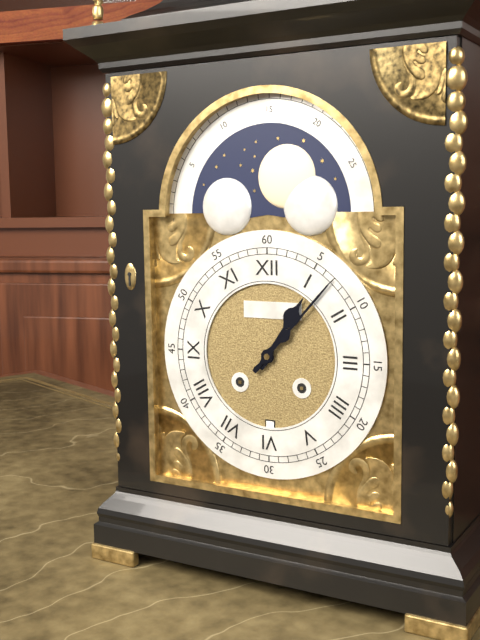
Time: {"hour": 1, "minute": 7}
